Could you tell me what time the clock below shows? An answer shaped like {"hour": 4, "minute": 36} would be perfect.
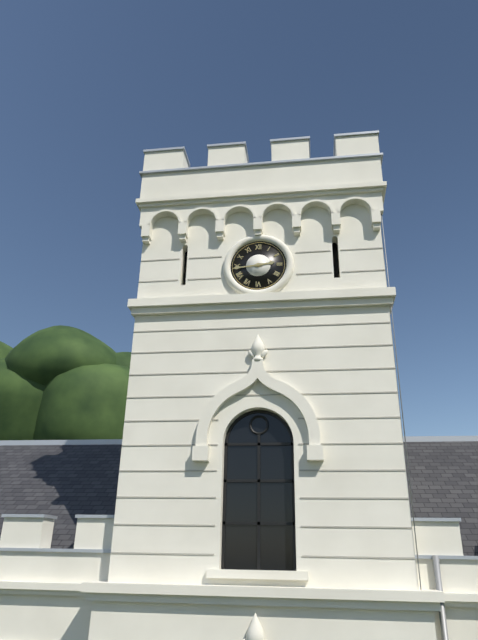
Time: {"hour": 2, "minute": 44}
